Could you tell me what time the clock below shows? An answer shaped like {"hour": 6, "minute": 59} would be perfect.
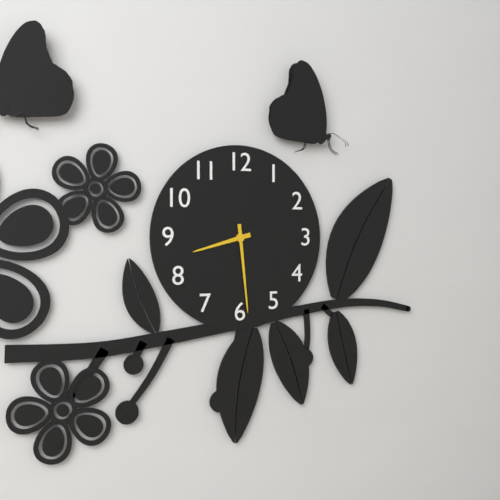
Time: {"hour": 8, "minute": 29}
